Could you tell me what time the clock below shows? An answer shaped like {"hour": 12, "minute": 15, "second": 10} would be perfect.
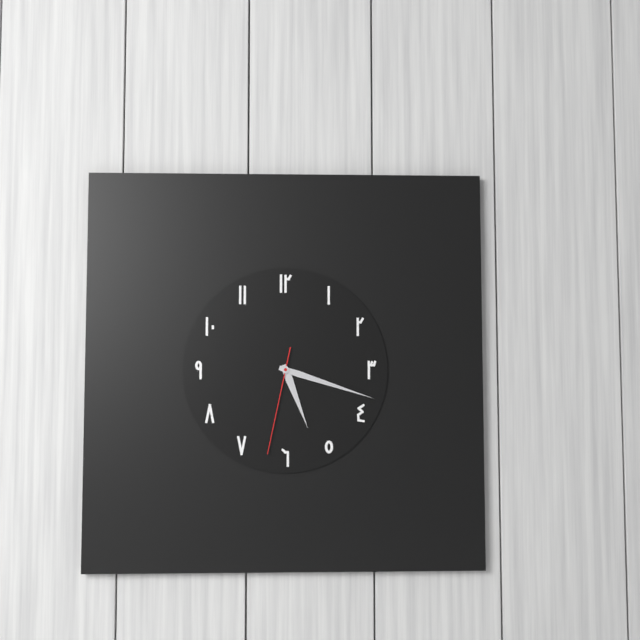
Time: {"hour": 5, "minute": 18, "second": 32}
